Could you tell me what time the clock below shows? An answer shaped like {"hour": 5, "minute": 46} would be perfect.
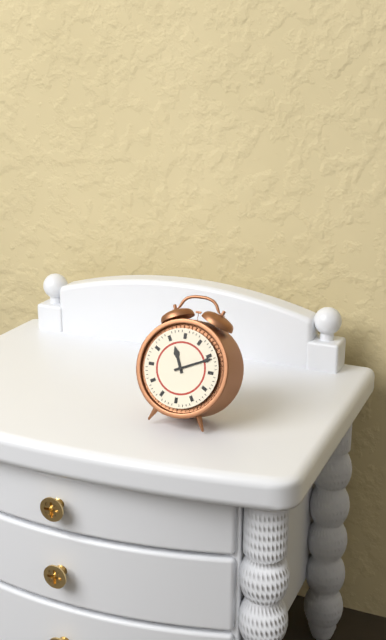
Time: {"hour": 11, "minute": 11}
